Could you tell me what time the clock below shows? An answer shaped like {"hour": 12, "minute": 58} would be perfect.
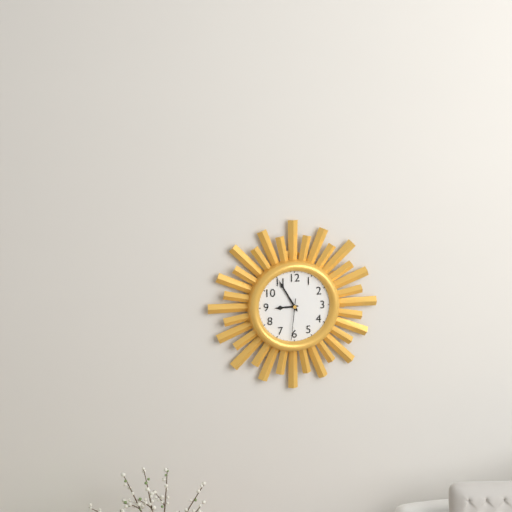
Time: {"hour": 8, "minute": 55}
